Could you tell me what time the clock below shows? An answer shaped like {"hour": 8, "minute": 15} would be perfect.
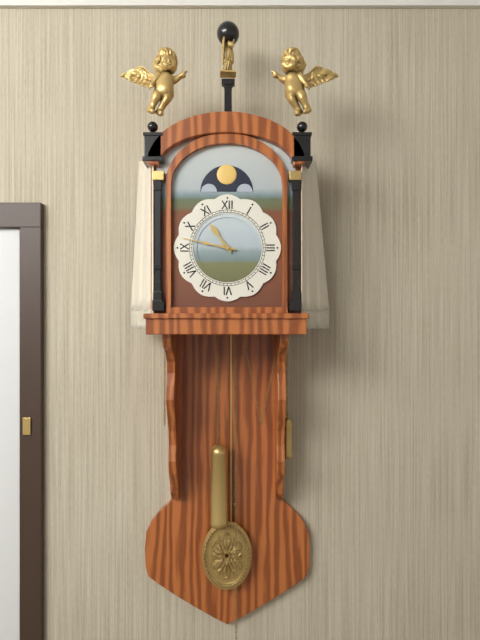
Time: {"hour": 10, "minute": 47}
